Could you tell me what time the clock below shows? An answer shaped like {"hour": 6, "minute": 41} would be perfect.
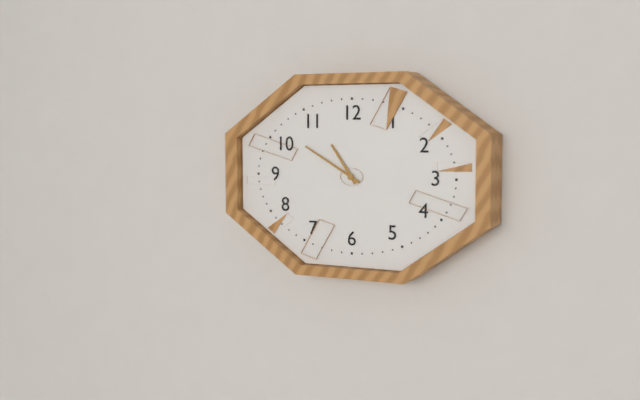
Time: {"hour": 10, "minute": 50}
